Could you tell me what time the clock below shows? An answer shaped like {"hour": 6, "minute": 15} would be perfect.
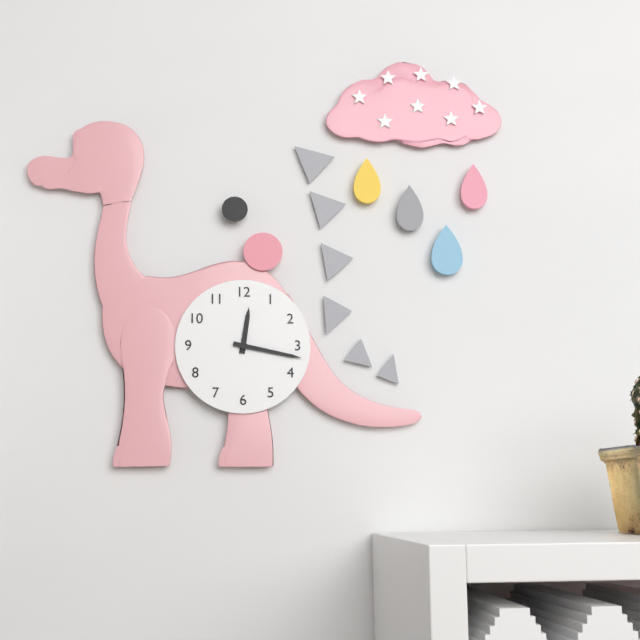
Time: {"hour": 12, "minute": 17}
